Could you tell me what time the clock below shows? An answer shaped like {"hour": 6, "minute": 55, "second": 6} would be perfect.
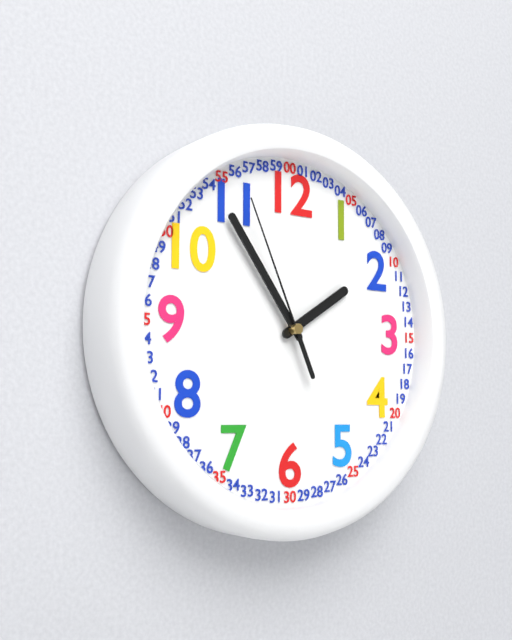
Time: {"hour": 1, "minute": 54, "second": 56}
